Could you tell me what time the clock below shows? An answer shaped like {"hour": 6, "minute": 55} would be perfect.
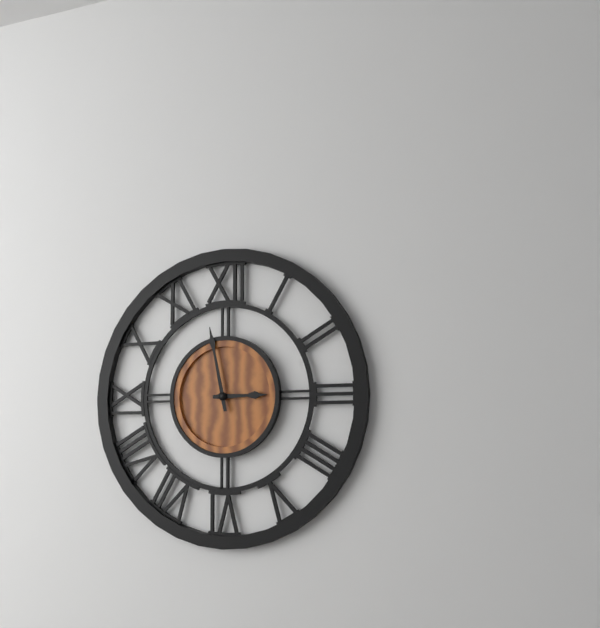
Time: {"hour": 2, "minute": 58}
